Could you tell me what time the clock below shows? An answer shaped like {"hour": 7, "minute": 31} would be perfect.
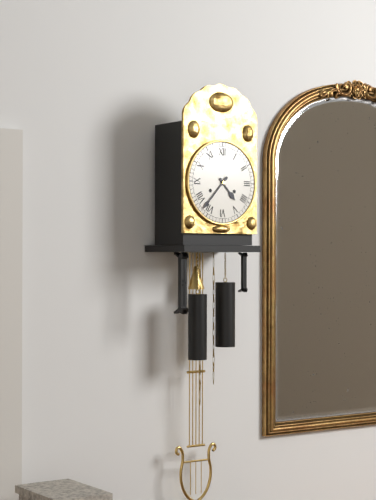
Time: {"hour": 4, "minute": 37}
